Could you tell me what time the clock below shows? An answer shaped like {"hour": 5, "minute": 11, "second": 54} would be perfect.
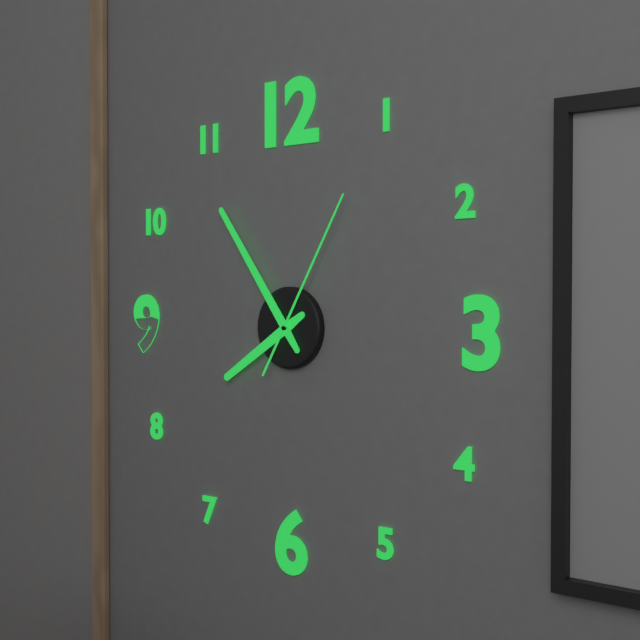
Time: {"hour": 7, "minute": 54, "second": 5}
